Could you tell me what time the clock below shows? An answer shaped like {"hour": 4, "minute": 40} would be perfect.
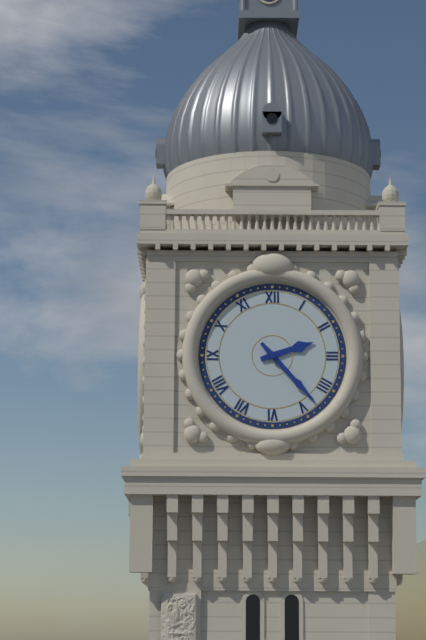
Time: {"hour": 2, "minute": 23}
